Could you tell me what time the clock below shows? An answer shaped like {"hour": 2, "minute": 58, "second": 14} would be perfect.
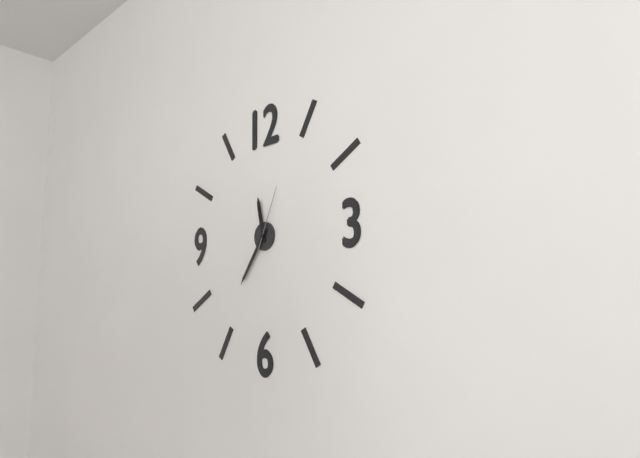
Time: {"hour": 11, "minute": 36, "second": 4}
